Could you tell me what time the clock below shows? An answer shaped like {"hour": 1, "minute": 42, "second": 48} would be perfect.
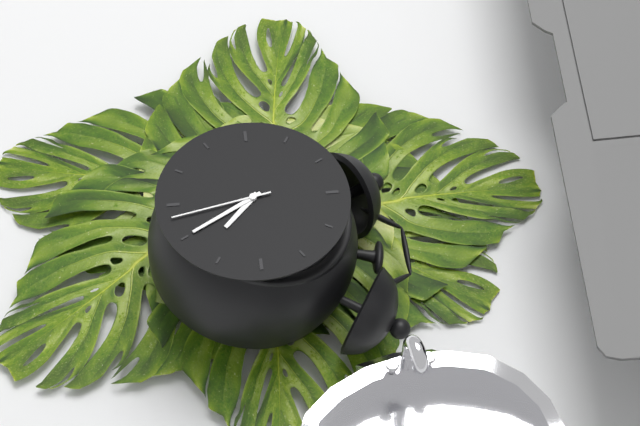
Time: {"hour": 4, "minute": 25, "second": 28}
